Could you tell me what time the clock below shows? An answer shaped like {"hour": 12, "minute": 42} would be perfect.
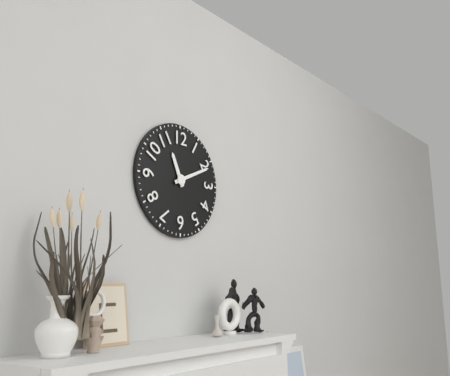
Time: {"hour": 11, "minute": 11}
